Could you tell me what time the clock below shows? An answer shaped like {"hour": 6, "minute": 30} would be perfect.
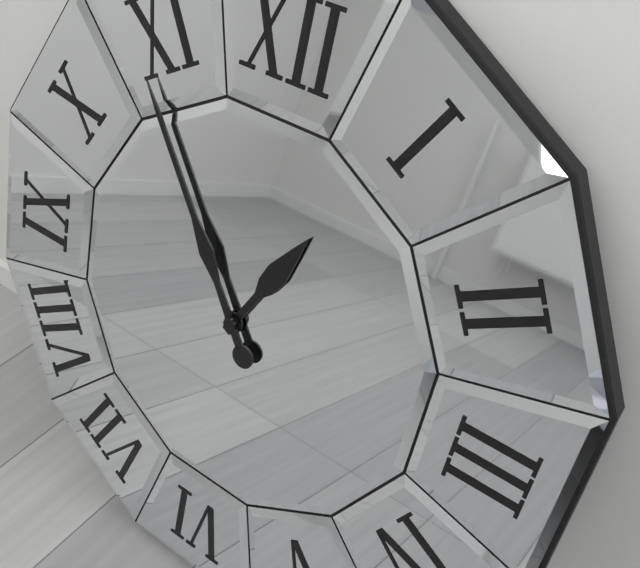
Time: {"hour": 12, "minute": 54}
